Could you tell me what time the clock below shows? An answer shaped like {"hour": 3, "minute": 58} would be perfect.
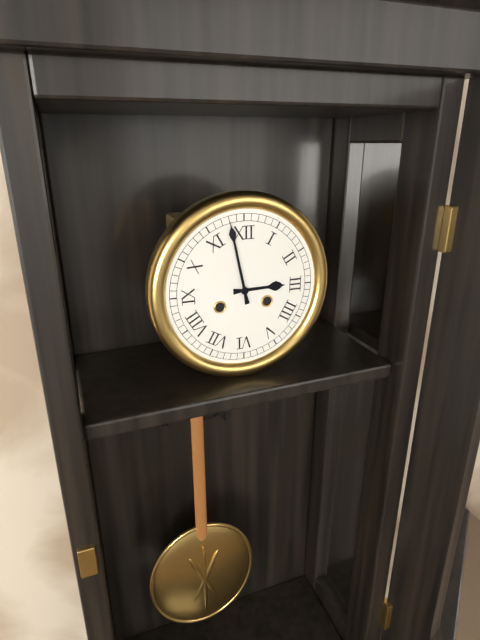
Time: {"hour": 2, "minute": 58}
